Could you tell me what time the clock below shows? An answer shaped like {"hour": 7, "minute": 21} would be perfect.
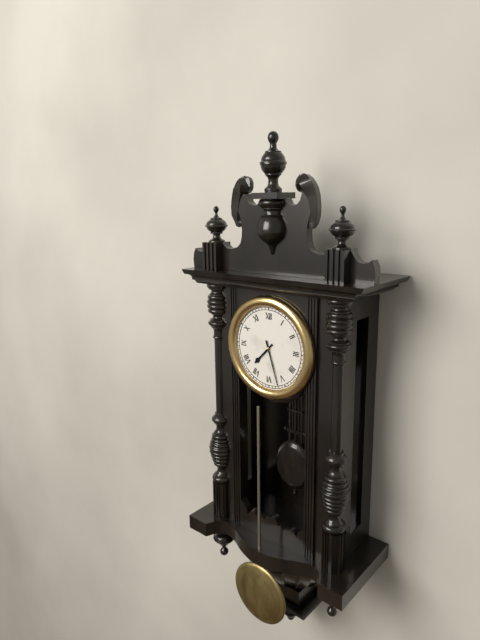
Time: {"hour": 7, "minute": 27}
